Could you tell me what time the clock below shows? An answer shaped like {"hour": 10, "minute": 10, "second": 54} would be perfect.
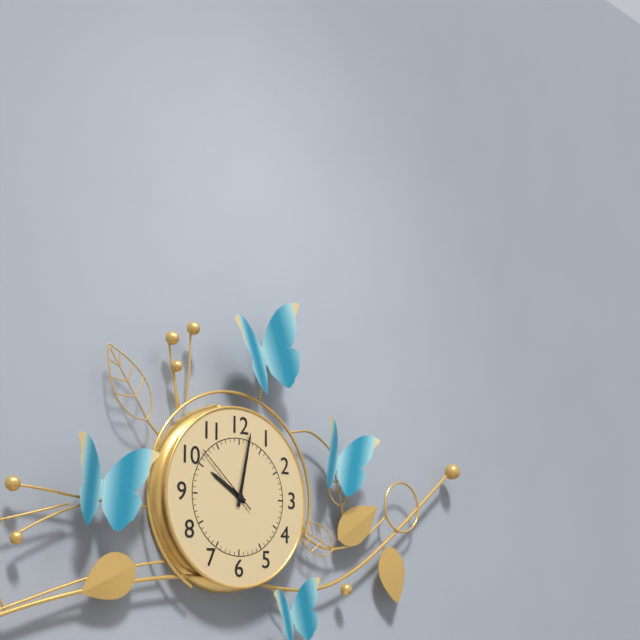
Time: {"hour": 10, "minute": 2, "second": 52}
